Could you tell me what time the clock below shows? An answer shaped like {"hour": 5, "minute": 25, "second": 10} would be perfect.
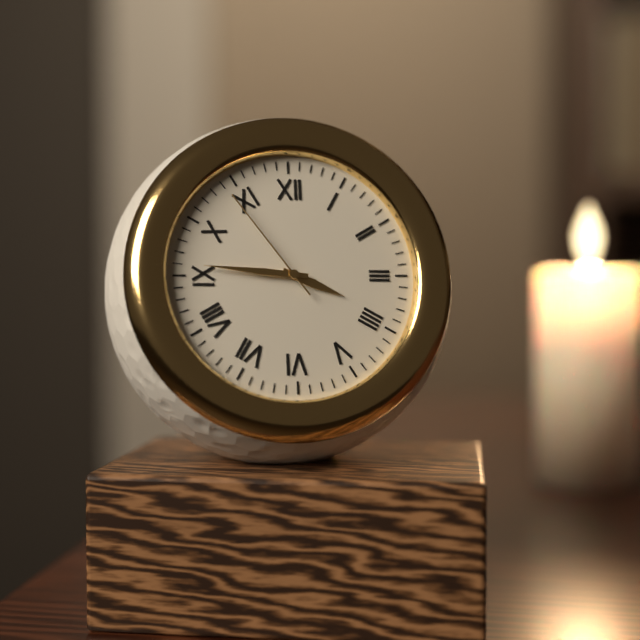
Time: {"hour": 3, "minute": 46, "second": 54}
